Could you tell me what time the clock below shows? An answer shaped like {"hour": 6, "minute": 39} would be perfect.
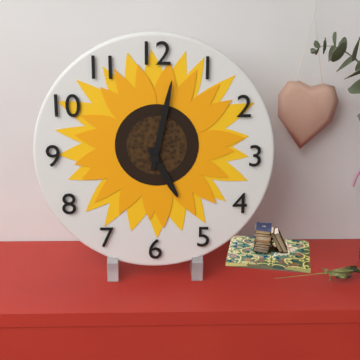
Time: {"hour": 5, "minute": 2}
